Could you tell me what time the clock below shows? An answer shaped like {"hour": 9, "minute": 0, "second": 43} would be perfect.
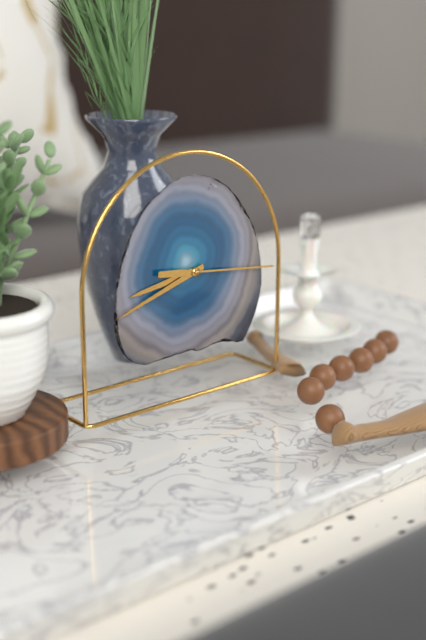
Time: {"hour": 8, "minute": 42, "second": 16}
